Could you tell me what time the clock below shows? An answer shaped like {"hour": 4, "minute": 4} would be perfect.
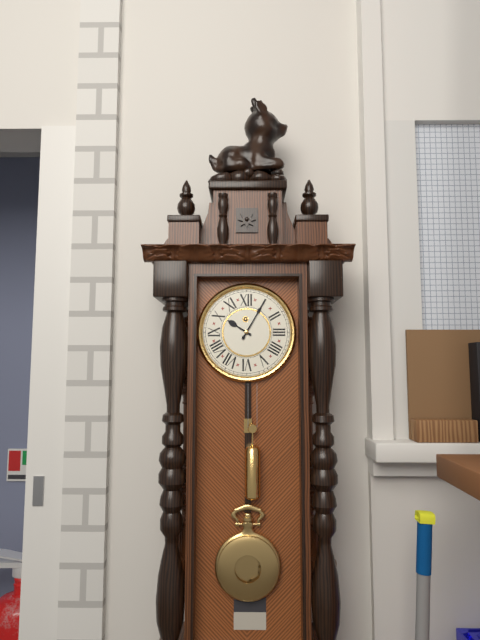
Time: {"hour": 10, "minute": 5}
